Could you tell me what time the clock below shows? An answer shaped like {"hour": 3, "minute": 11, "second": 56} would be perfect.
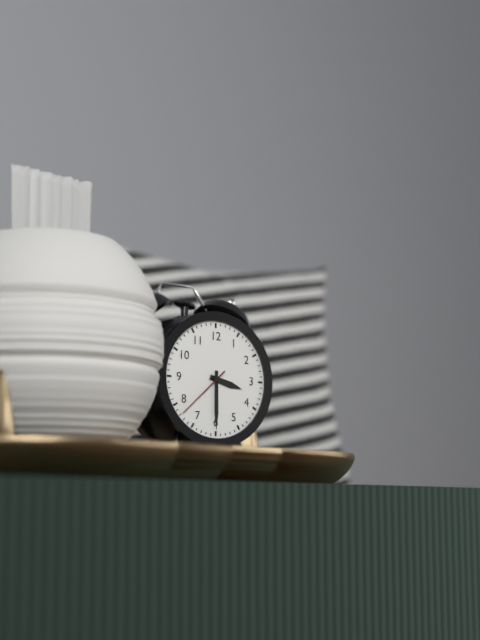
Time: {"hour": 3, "minute": 30, "second": 38}
